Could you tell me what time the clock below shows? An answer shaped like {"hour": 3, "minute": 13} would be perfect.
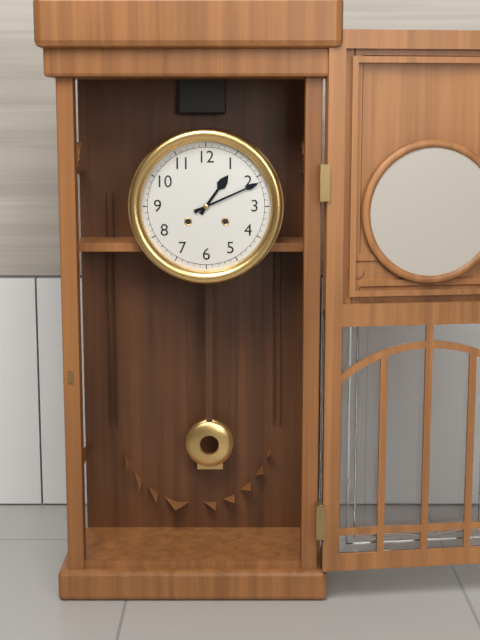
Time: {"hour": 1, "minute": 11}
